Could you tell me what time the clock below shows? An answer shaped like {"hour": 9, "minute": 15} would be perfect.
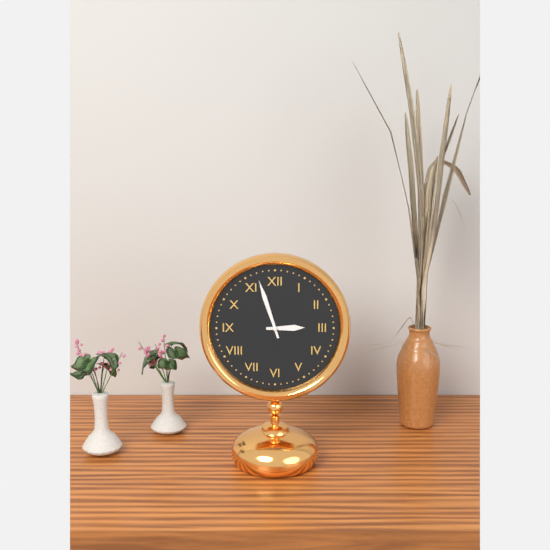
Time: {"hour": 2, "minute": 57}
